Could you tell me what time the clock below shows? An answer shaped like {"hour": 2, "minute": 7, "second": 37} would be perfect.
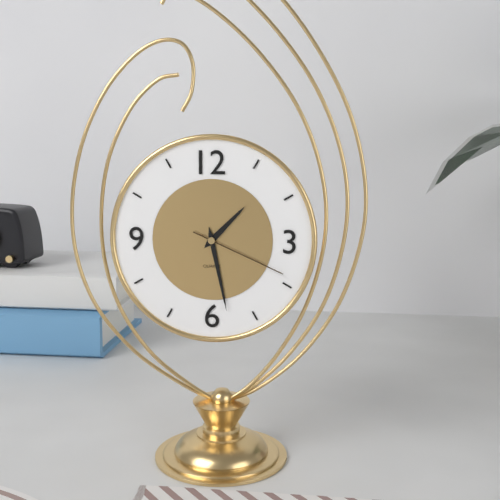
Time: {"hour": 1, "minute": 28, "second": 19}
